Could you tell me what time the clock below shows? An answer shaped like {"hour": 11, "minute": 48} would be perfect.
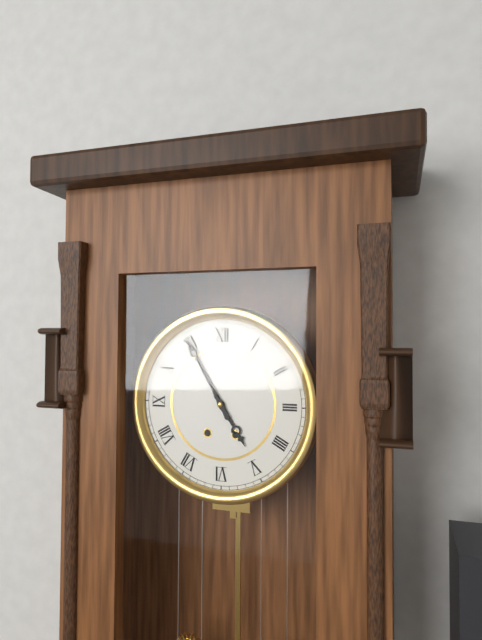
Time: {"hour": 4, "minute": 55}
